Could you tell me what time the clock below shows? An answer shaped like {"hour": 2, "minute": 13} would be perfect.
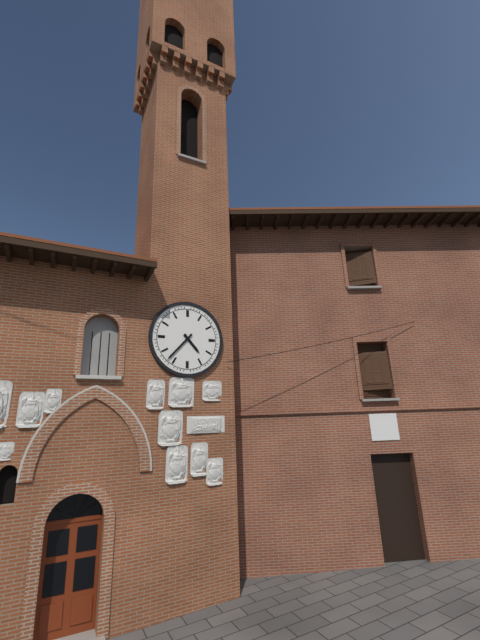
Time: {"hour": 4, "minute": 37}
